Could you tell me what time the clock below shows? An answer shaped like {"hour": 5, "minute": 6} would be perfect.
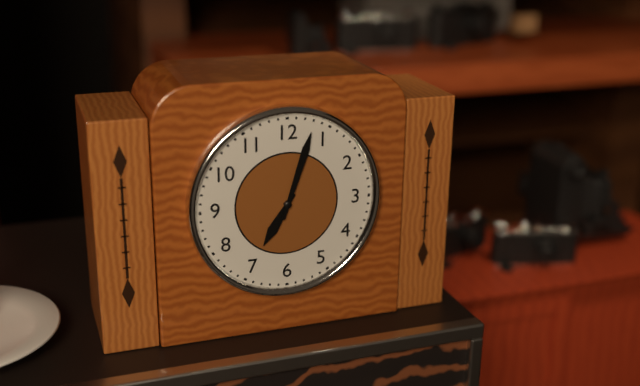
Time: {"hour": 7, "minute": 3}
